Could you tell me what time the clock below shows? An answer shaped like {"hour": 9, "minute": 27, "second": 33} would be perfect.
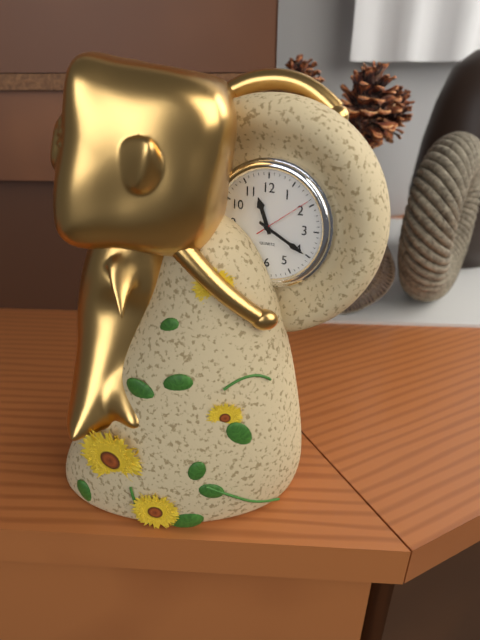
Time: {"hour": 11, "minute": 20, "second": 9}
